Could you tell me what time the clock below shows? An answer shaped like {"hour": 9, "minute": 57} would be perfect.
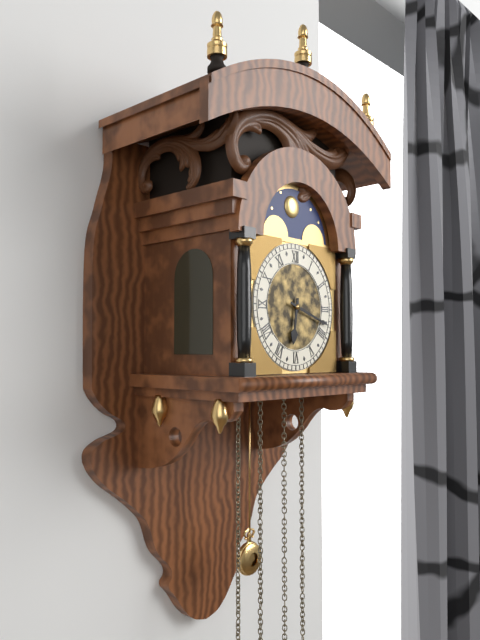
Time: {"hour": 6, "minute": 18}
